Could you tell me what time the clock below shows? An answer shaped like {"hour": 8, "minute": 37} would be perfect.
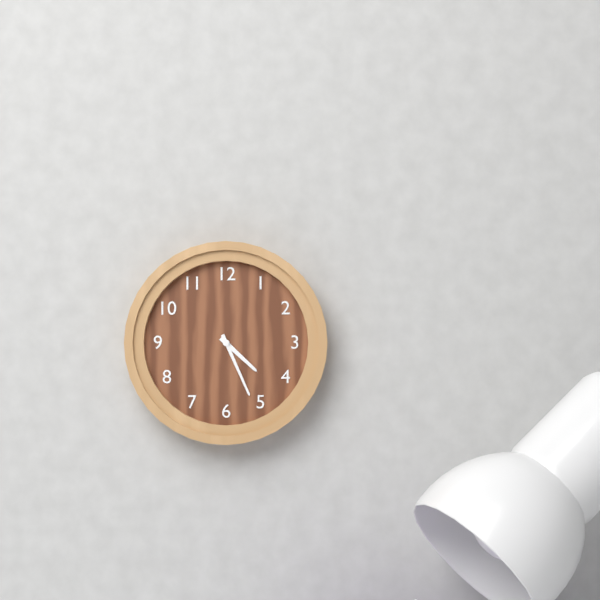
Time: {"hour": 4, "minute": 26}
